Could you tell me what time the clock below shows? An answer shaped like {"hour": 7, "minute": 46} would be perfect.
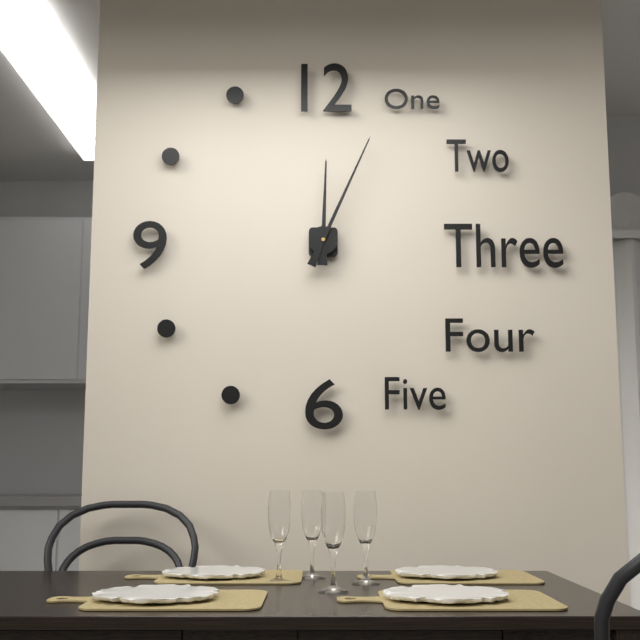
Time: {"hour": 12, "minute": 4}
